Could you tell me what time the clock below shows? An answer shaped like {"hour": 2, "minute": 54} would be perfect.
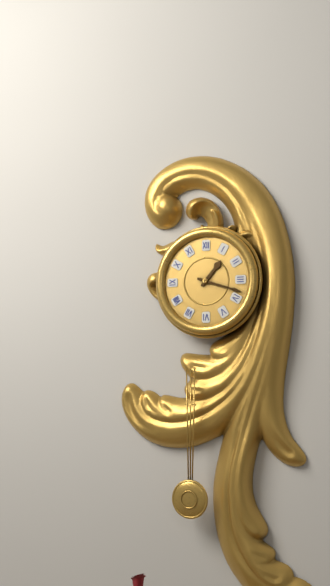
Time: {"hour": 1, "minute": 18}
